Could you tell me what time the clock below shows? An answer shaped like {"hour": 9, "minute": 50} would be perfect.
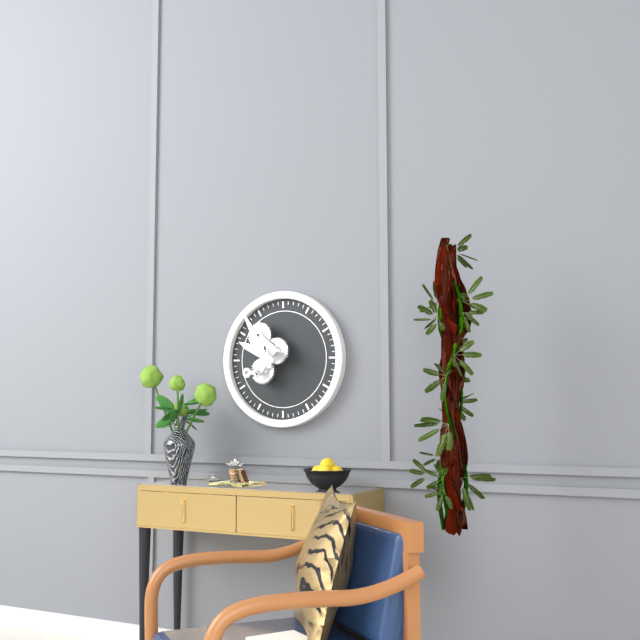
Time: {"hour": 9, "minute": 55}
